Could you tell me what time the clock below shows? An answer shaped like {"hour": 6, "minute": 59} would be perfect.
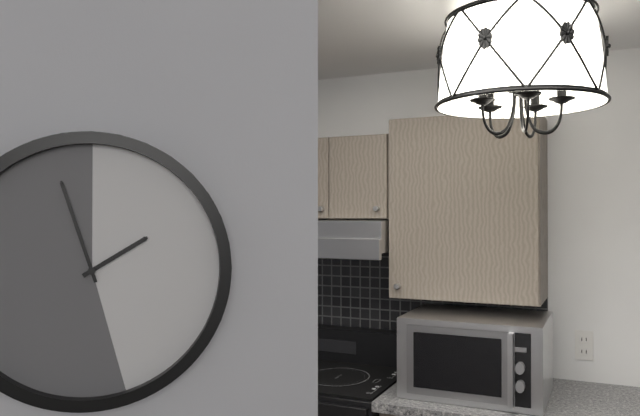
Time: {"hour": 1, "minute": 57}
